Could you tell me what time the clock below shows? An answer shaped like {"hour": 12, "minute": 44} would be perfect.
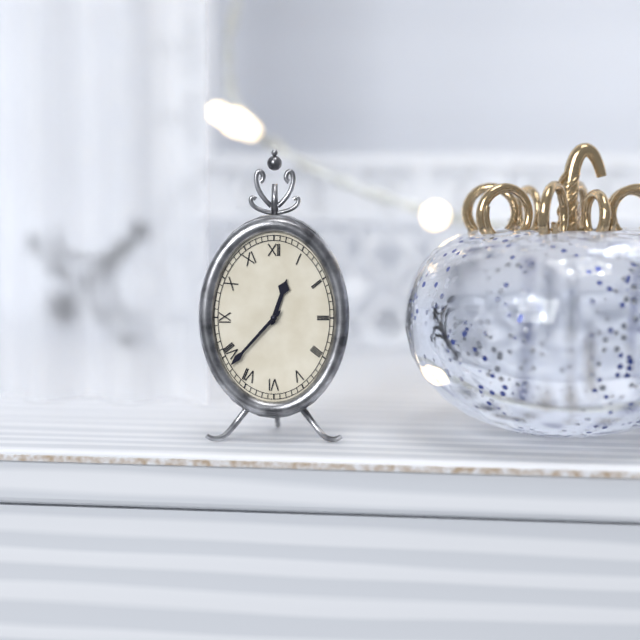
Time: {"hour": 12, "minute": 37}
